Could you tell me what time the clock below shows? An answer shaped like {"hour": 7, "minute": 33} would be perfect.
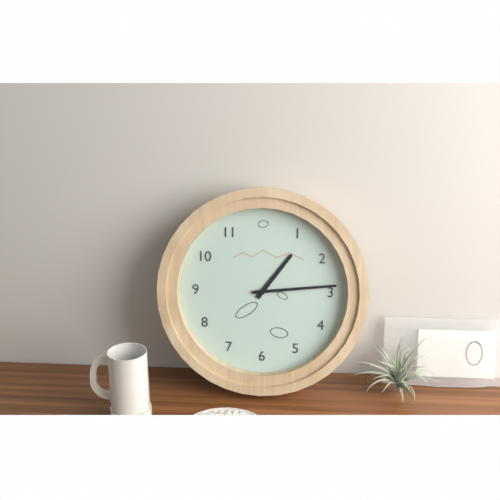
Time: {"hour": 1, "minute": 14}
